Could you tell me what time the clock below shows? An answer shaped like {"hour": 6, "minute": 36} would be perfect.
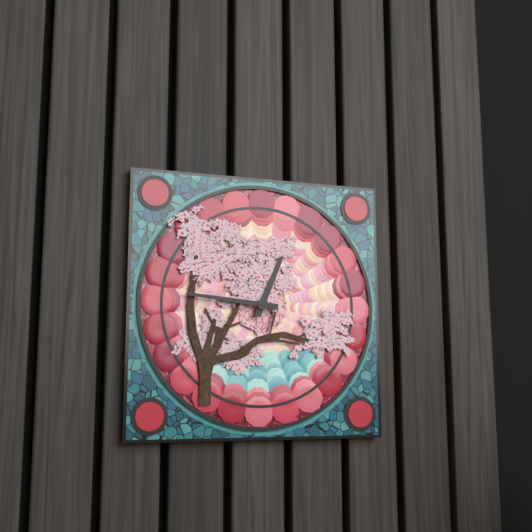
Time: {"hour": 12, "minute": 46}
